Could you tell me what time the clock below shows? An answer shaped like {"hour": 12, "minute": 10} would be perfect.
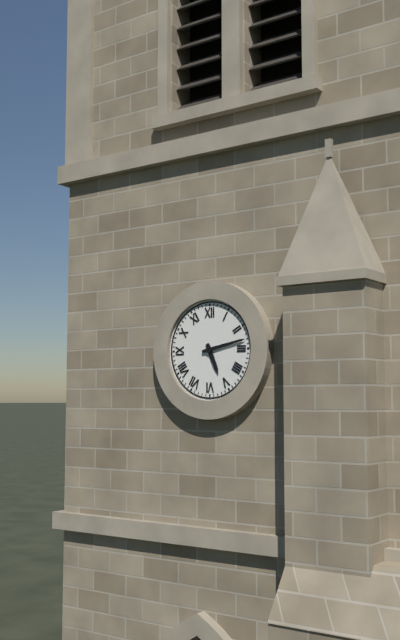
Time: {"hour": 5, "minute": 13}
